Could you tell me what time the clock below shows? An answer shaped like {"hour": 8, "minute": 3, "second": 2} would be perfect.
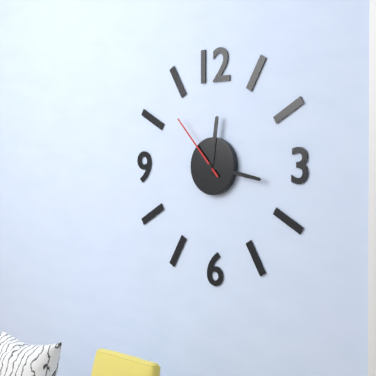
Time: {"hour": 12, "minute": 17, "second": 53}
